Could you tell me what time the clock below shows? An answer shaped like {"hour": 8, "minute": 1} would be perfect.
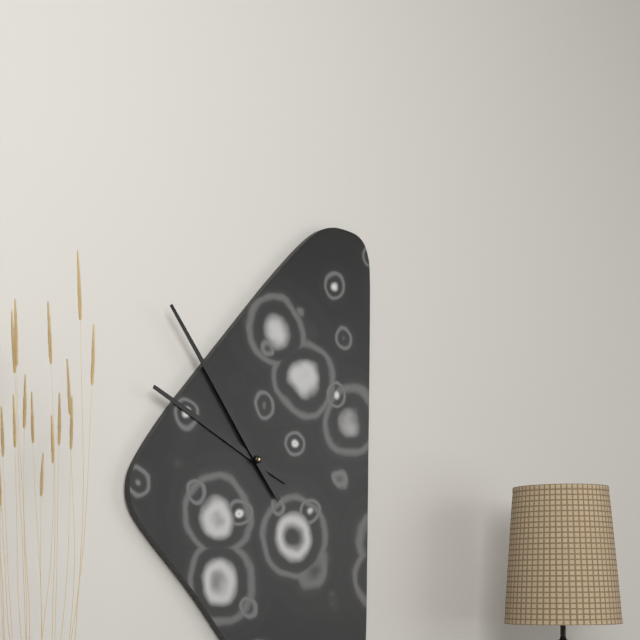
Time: {"hour": 9, "minute": 54}
